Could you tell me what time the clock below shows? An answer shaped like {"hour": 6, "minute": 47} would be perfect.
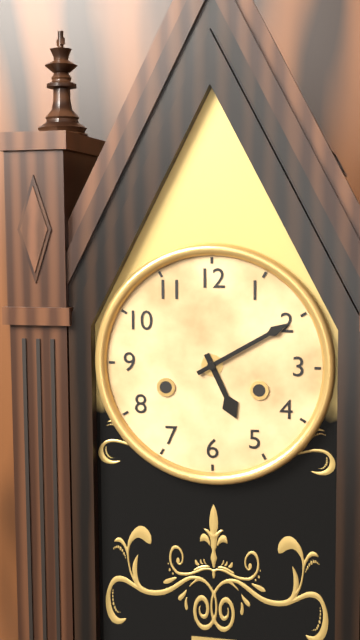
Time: {"hour": 5, "minute": 10}
